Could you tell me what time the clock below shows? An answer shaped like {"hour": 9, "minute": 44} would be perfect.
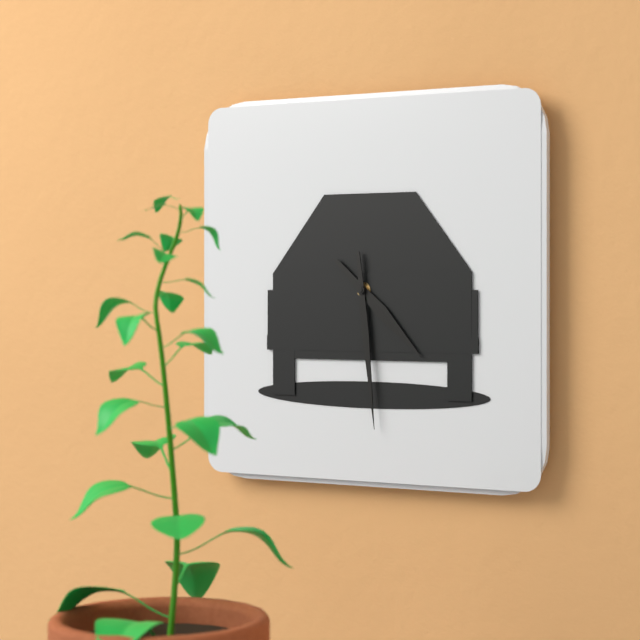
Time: {"hour": 4, "minute": 29}
